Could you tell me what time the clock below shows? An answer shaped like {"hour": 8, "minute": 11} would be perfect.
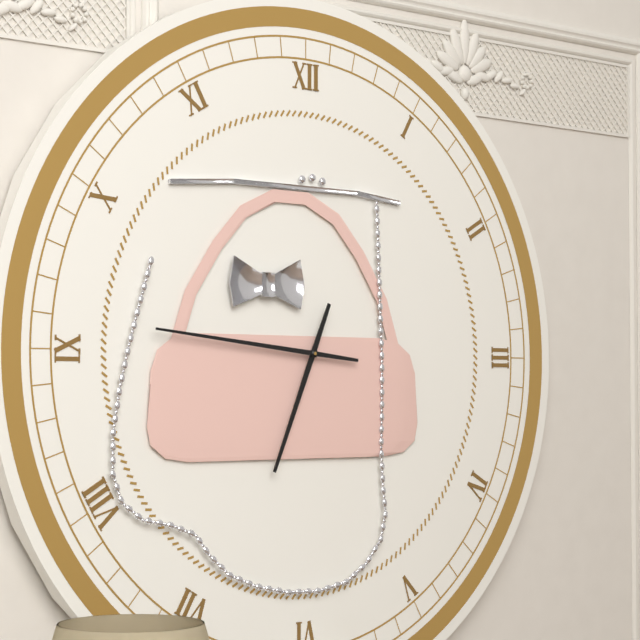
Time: {"hour": 6, "minute": 46}
